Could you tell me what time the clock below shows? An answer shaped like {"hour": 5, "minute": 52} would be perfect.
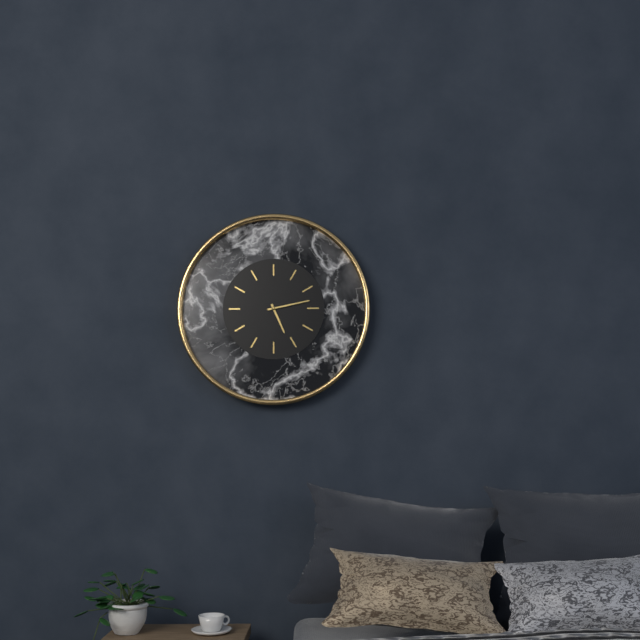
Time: {"hour": 5, "minute": 13}
